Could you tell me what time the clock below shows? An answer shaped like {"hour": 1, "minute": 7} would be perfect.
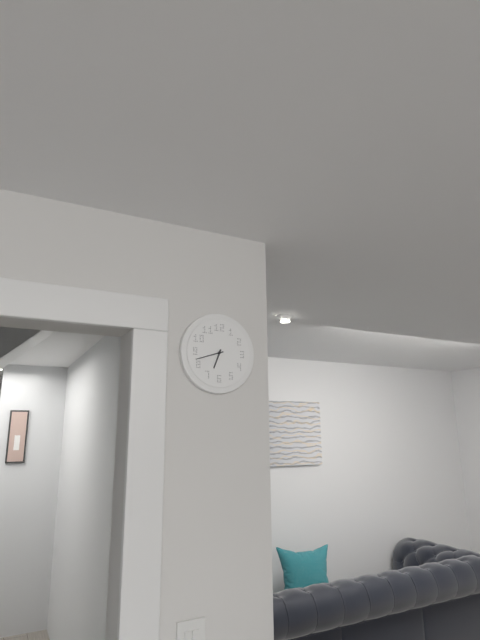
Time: {"hour": 6, "minute": 42}
